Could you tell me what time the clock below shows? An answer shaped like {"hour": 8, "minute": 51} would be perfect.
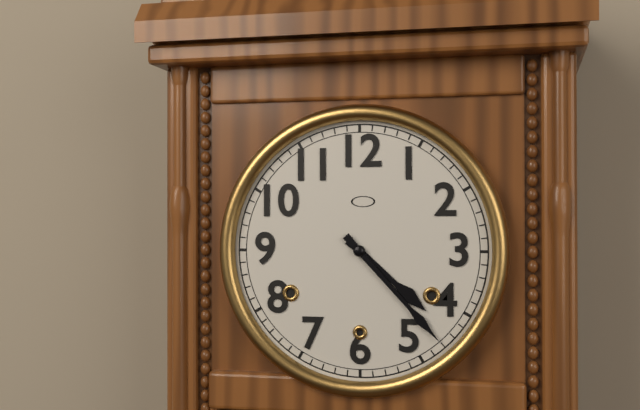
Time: {"hour": 4, "minute": 23}
